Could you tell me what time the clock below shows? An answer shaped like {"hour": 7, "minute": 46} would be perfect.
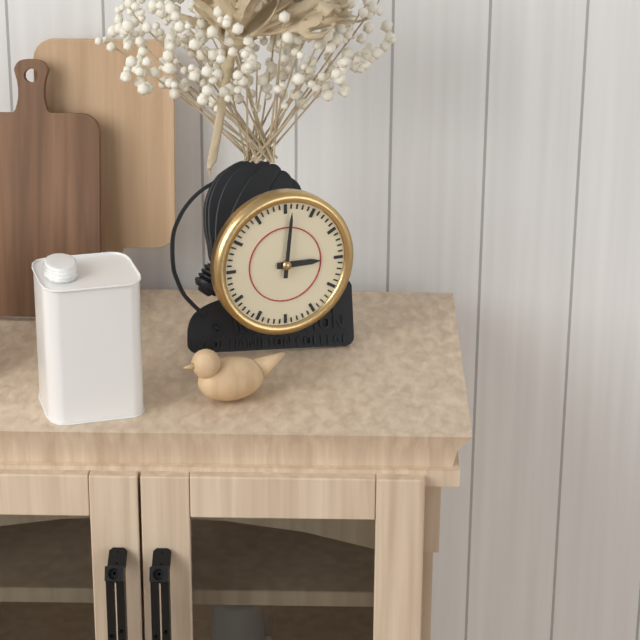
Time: {"hour": 3, "minute": 1}
